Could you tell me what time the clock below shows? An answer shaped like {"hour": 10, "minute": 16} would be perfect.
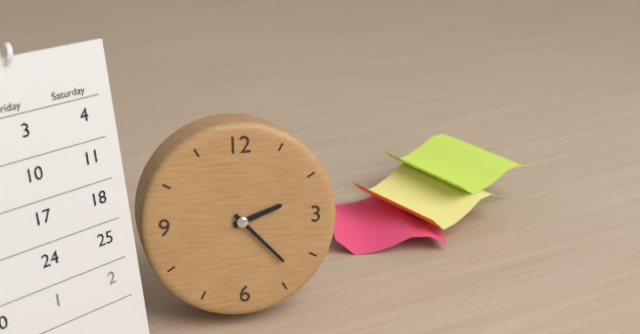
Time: {"hour": 2, "minute": 23}
